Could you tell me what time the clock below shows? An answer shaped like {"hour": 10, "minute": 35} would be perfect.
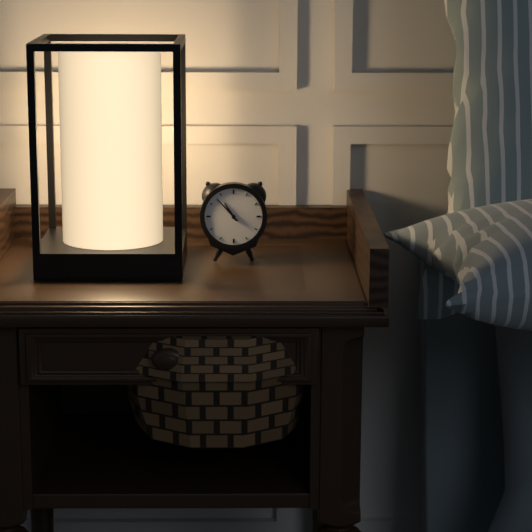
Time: {"hour": 10, "minute": 53}
